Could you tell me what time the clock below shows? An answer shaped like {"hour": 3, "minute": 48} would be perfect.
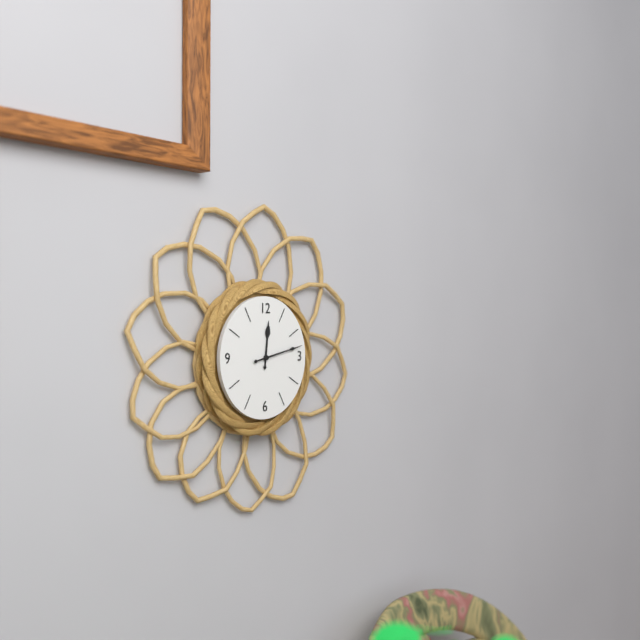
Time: {"hour": 12, "minute": 13}
